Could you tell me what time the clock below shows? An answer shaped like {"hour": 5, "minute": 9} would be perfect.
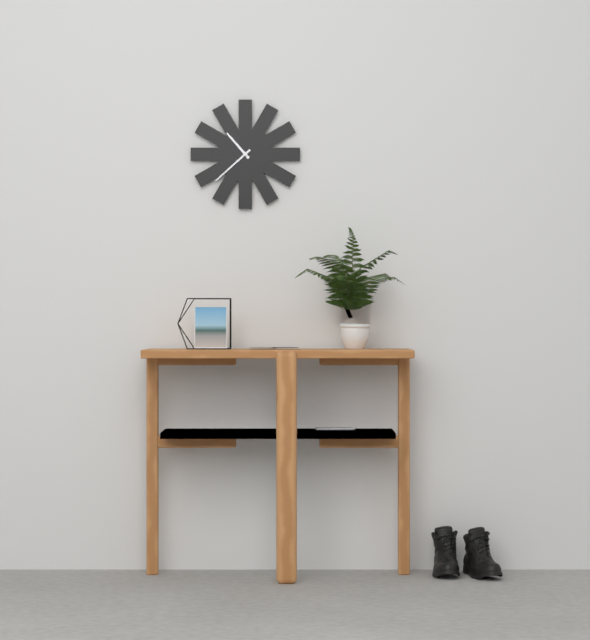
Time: {"hour": 10, "minute": 38}
